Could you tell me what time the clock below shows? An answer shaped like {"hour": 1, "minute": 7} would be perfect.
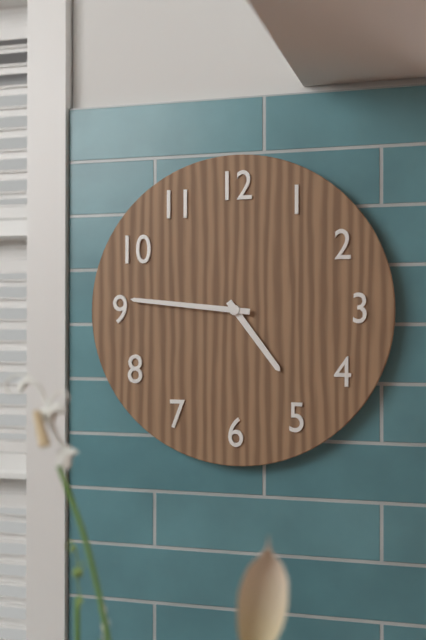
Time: {"hour": 4, "minute": 46}
